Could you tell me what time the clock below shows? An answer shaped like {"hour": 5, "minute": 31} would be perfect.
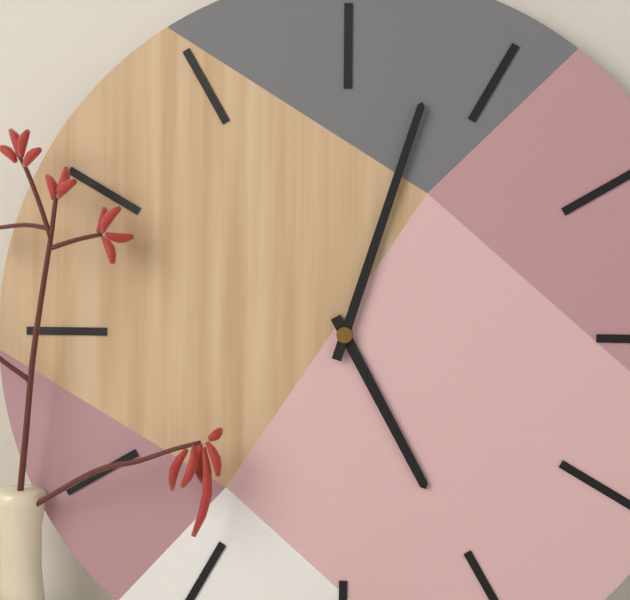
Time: {"hour": 5, "minute": 3}
